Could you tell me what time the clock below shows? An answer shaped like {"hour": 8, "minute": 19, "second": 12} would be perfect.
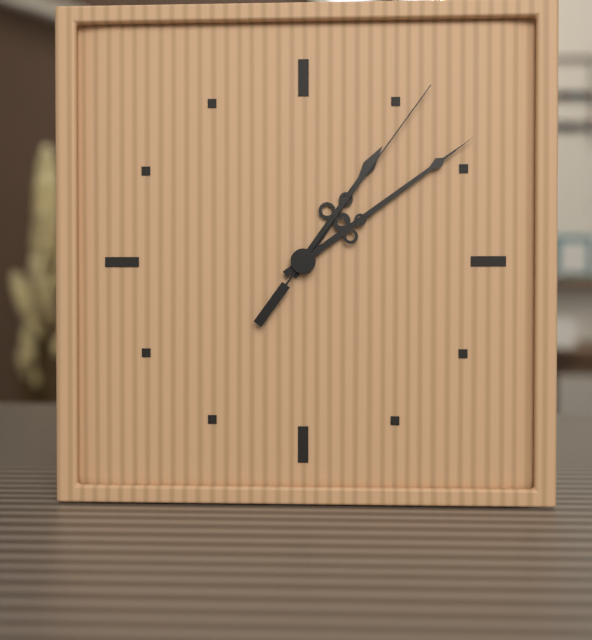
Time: {"hour": 1, "minute": 9, "second": 6}
